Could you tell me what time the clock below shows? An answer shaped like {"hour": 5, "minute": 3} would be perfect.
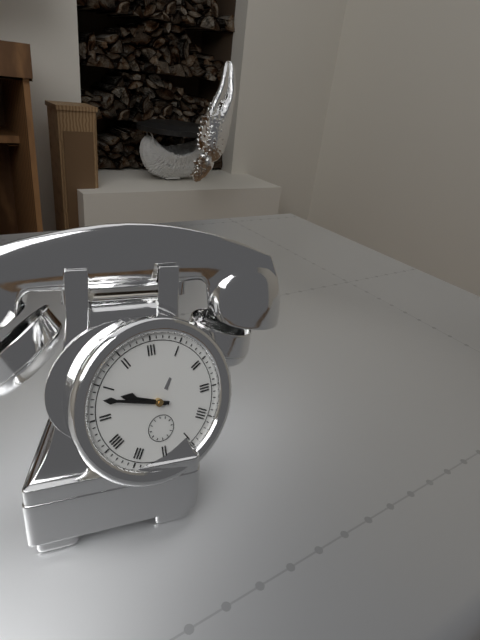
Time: {"hour": 9, "minute": 48}
